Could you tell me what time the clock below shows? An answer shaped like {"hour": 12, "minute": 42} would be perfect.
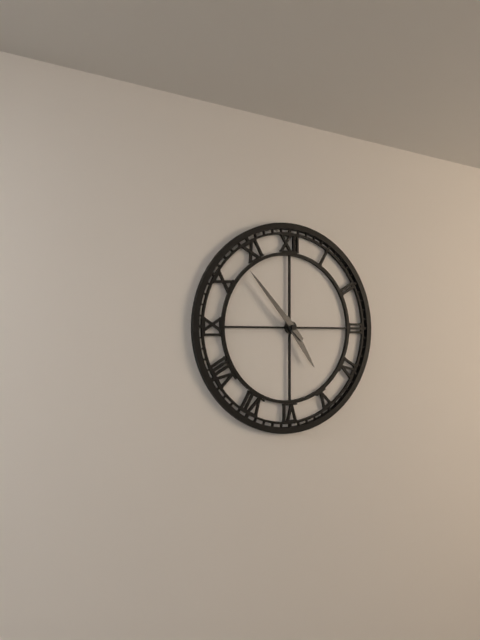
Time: {"hour": 4, "minute": 53}
